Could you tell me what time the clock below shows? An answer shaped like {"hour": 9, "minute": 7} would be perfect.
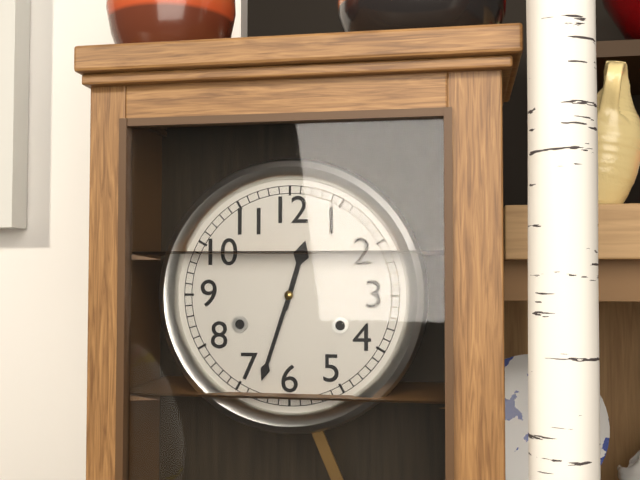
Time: {"hour": 12, "minute": 33}
